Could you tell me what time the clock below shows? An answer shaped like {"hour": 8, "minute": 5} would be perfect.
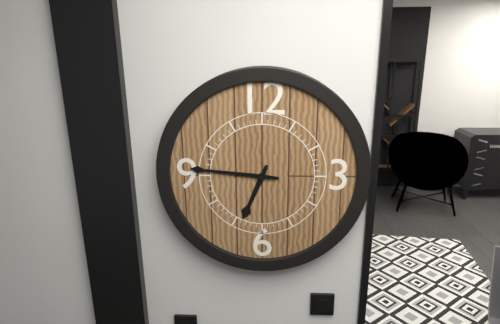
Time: {"hour": 6, "minute": 46}
